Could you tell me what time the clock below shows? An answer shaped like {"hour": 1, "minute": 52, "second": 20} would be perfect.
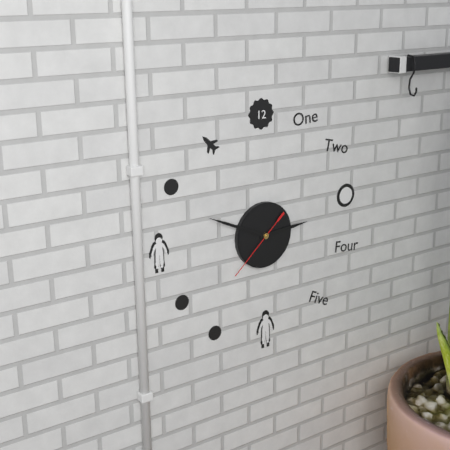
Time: {"hour": 2, "minute": 49, "second": 38}
